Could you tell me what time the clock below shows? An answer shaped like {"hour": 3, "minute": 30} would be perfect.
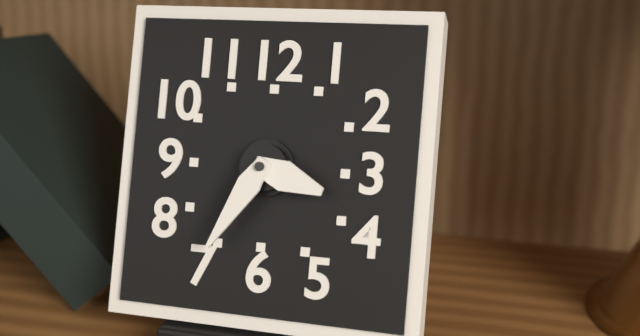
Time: {"hour": 3, "minute": 35}
